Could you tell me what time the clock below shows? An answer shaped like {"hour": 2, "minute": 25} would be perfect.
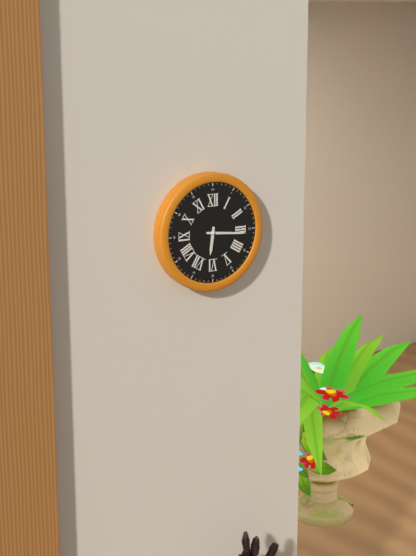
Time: {"hour": 6, "minute": 16}
